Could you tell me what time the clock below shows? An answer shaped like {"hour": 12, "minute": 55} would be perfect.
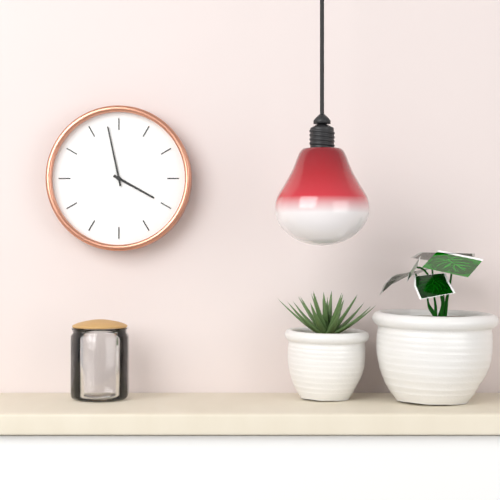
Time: {"hour": 3, "minute": 58}
